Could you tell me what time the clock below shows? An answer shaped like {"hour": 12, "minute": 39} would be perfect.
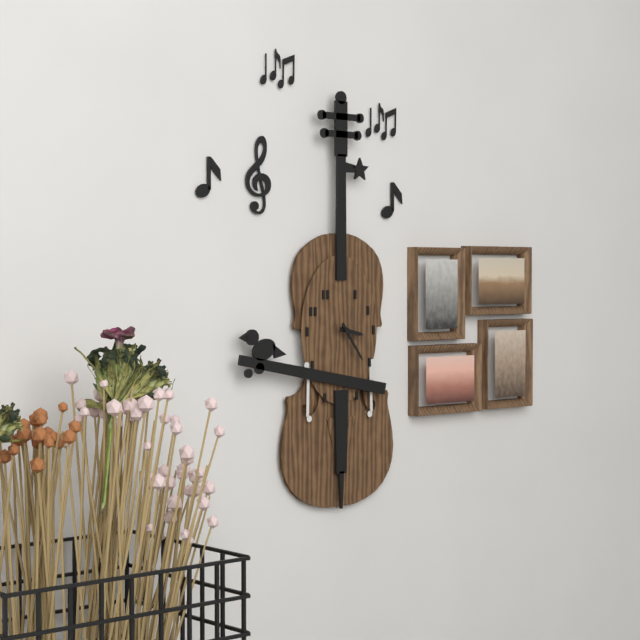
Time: {"hour": 3, "minute": 24}
